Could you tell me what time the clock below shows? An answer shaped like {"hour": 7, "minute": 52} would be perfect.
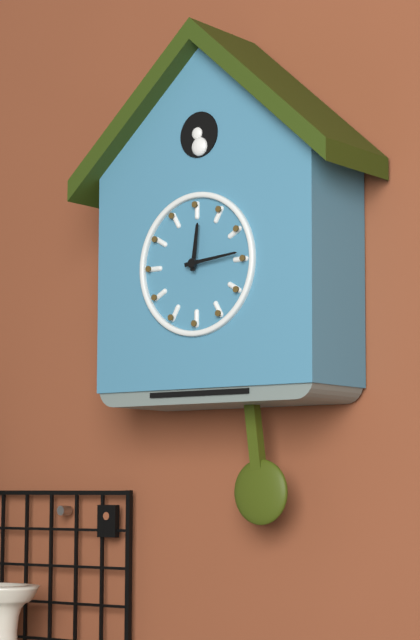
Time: {"hour": 12, "minute": 14}
